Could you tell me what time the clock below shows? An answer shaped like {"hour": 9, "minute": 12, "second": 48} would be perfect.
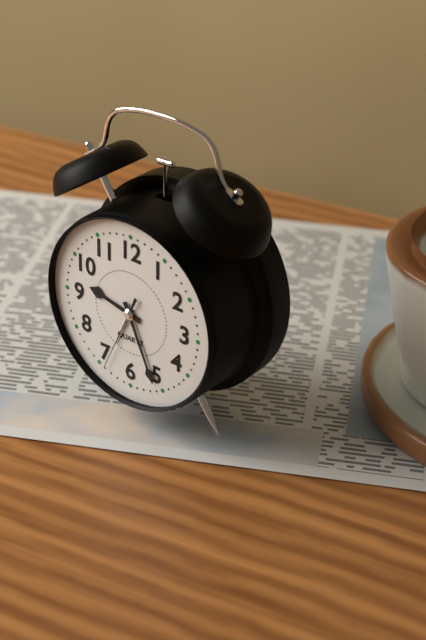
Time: {"hour": 9, "minute": 26, "second": 34}
